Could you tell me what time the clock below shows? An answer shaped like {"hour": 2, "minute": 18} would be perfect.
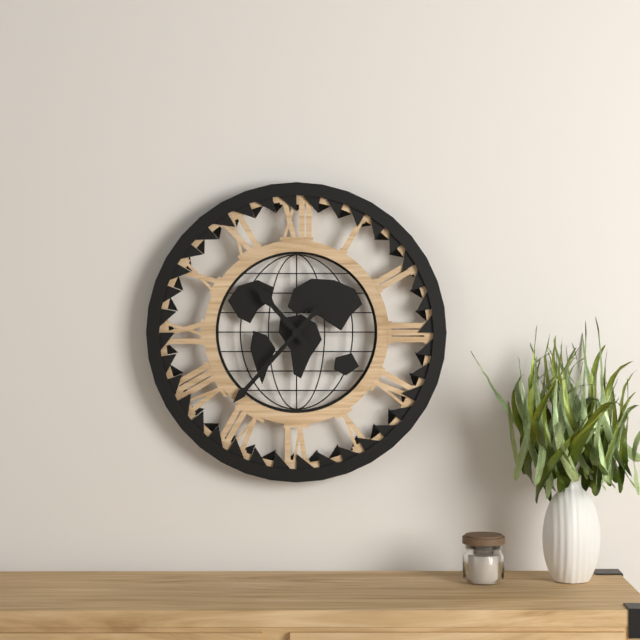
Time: {"hour": 10, "minute": 37}
